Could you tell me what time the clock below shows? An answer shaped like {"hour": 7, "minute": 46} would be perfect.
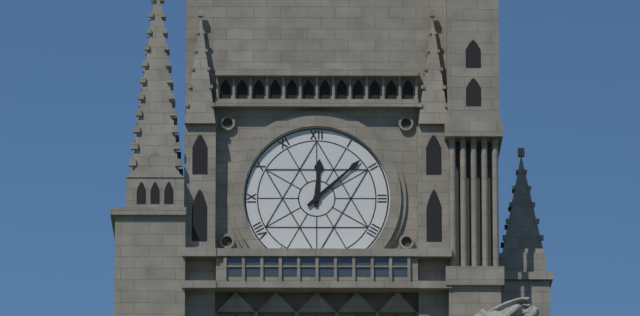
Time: {"hour": 12, "minute": 8}
